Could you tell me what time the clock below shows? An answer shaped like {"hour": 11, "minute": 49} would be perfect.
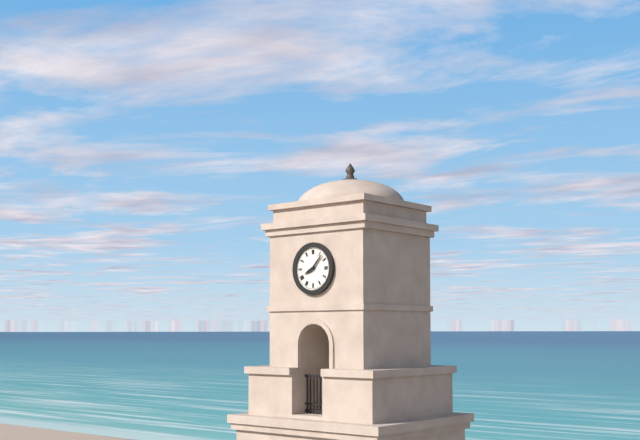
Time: {"hour": 8, "minute": 7}
